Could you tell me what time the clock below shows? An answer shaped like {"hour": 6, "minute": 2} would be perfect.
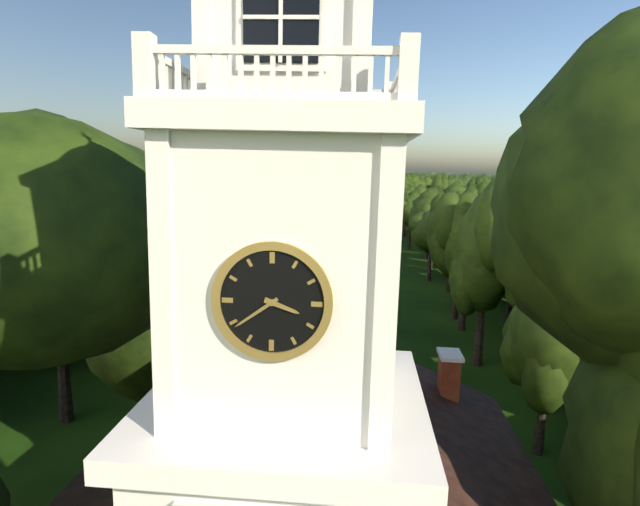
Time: {"hour": 3, "minute": 39}
